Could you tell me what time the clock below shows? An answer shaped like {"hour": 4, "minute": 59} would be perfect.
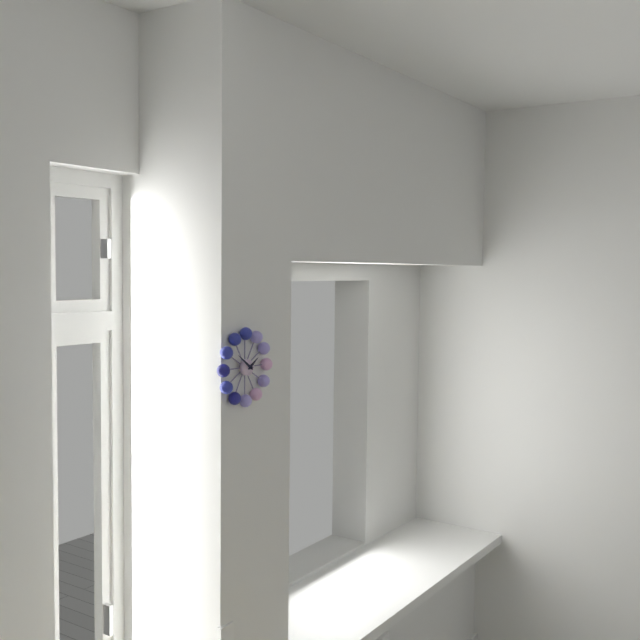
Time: {"hour": 1, "minute": 51}
